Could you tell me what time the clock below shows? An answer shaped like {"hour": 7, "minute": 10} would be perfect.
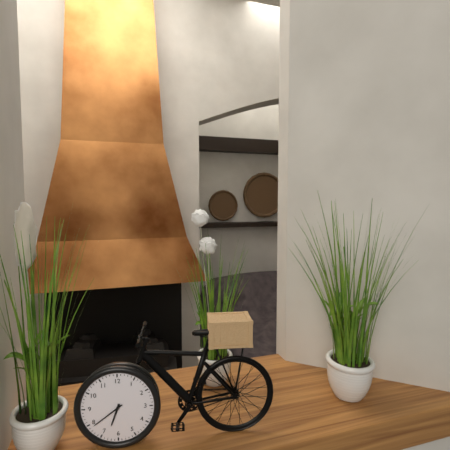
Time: {"hour": 6, "minute": 39}
